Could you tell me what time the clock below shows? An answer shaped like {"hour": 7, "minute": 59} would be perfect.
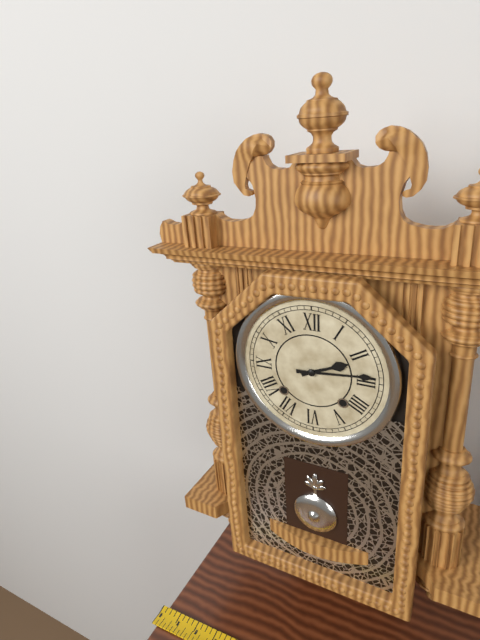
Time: {"hour": 2, "minute": 14}
